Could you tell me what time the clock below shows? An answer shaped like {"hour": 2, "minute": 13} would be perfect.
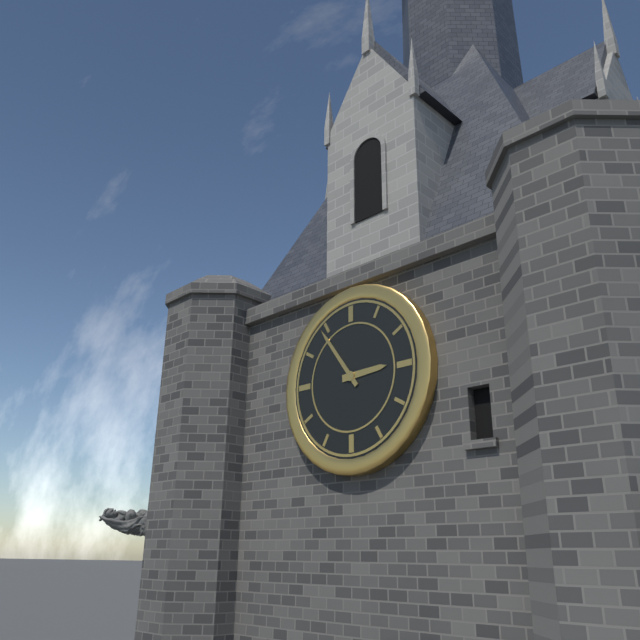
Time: {"hour": 2, "minute": 54}
